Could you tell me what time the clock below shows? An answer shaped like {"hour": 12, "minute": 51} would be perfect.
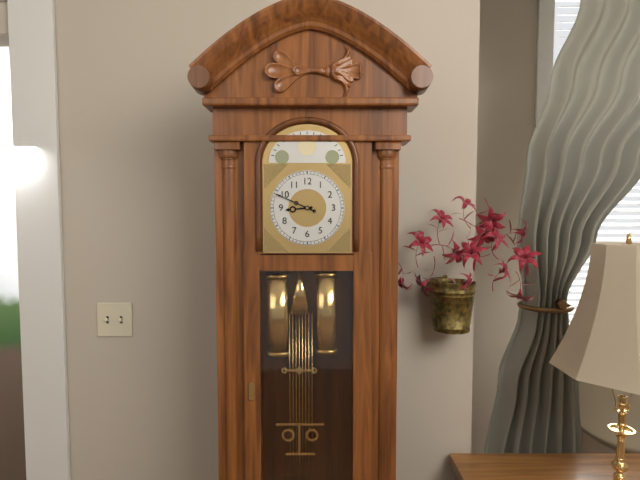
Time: {"hour": 8, "minute": 49}
